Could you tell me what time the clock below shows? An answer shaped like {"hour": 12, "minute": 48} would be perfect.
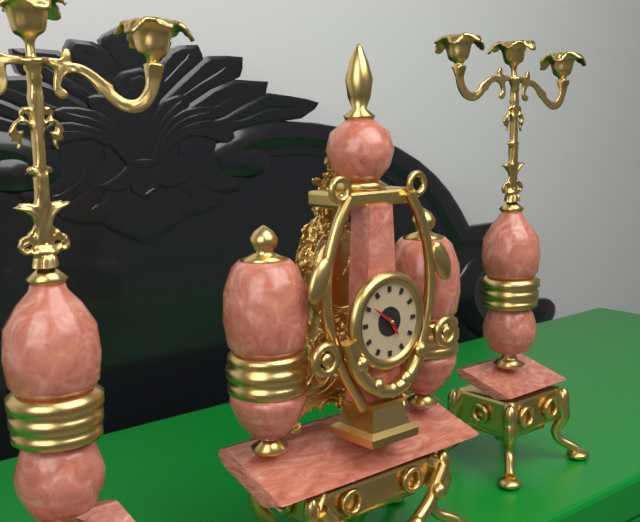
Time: {"hour": 4, "minute": 51}
